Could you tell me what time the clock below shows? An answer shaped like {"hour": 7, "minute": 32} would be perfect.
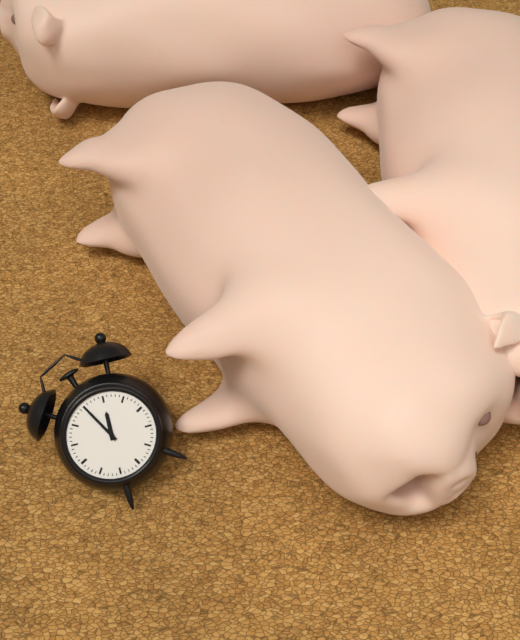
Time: {"hour": 1, "minute": 0}
